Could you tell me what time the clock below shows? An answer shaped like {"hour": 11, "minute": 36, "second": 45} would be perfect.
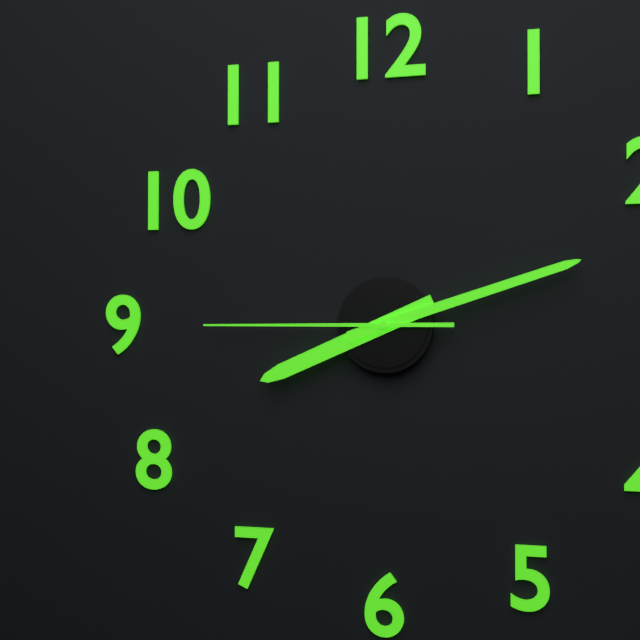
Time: {"hour": 8, "minute": 12, "second": 45}
